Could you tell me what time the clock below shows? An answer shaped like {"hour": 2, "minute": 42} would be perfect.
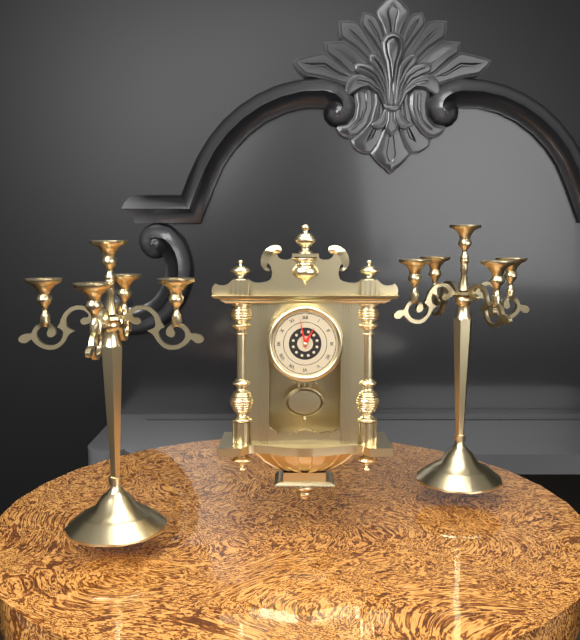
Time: {"hour": 12, "minute": 58}
